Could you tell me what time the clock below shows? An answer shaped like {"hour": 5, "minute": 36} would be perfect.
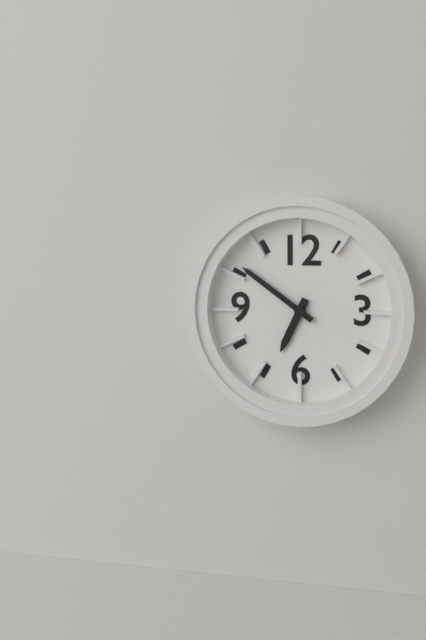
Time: {"hour": 6, "minute": 51}
